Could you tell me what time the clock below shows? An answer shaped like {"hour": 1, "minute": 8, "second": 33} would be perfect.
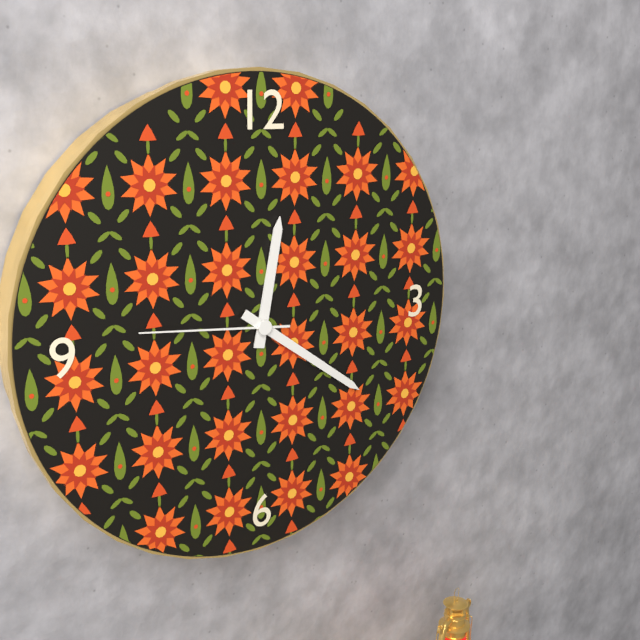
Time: {"hour": 12, "minute": 21, "second": 46}
